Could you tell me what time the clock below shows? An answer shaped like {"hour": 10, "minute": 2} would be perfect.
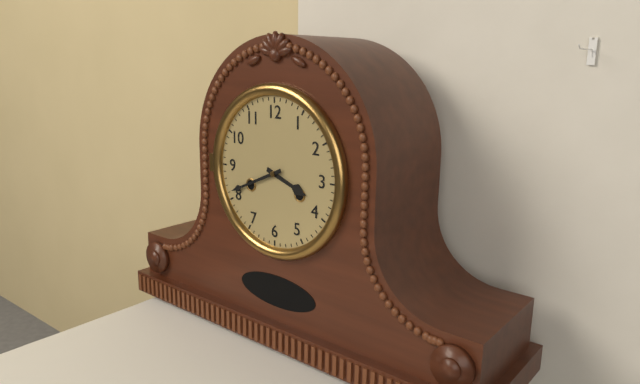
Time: {"hour": 3, "minute": 41}
